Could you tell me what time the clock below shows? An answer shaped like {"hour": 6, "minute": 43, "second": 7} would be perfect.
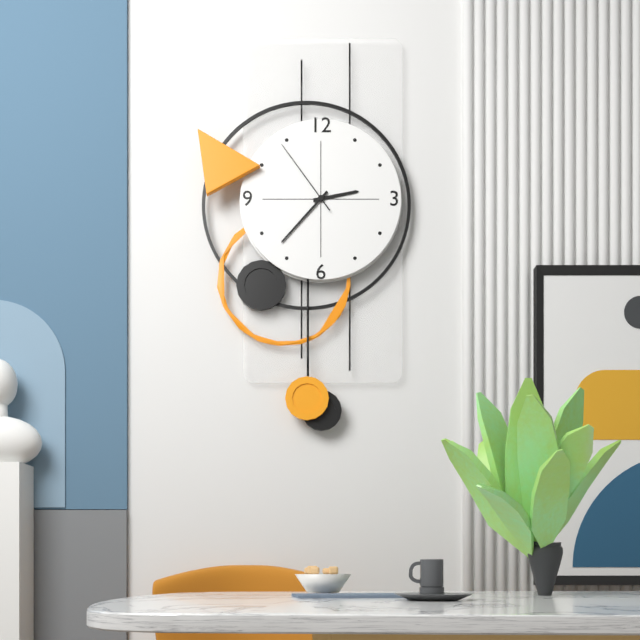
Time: {"hour": 2, "minute": 37, "second": 54}
